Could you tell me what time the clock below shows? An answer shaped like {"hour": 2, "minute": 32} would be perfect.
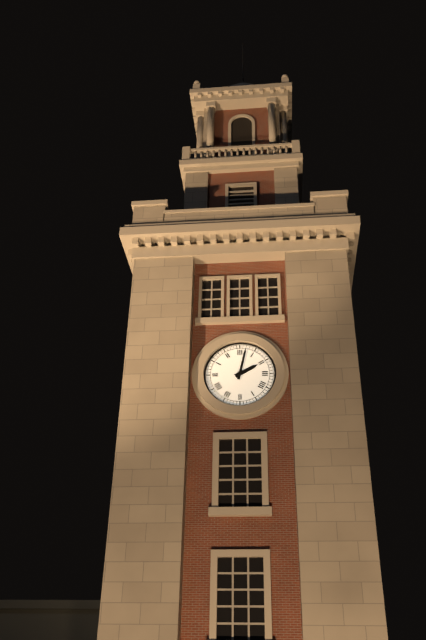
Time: {"hour": 2, "minute": 2}
